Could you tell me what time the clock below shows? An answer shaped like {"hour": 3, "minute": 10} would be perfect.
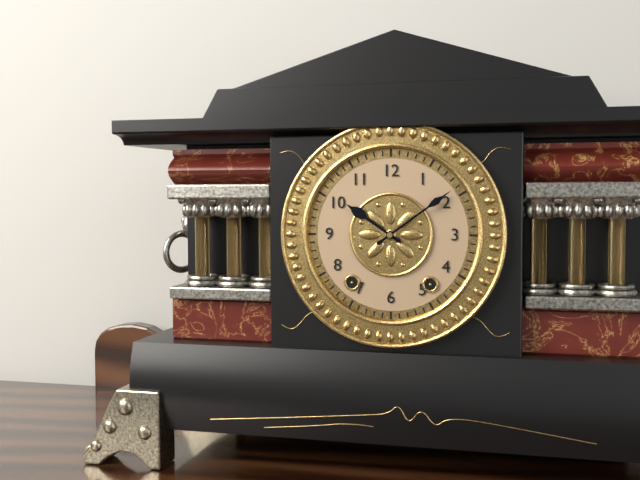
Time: {"hour": 10, "minute": 9}
